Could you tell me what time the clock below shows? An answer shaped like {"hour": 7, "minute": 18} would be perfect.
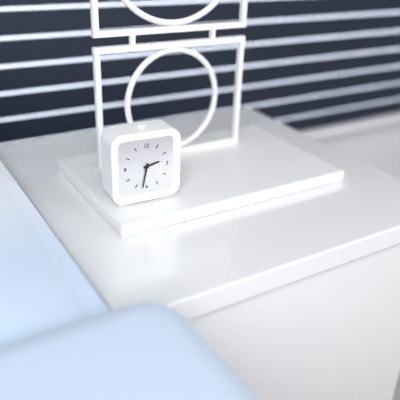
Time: {"hour": 2, "minute": 32}
